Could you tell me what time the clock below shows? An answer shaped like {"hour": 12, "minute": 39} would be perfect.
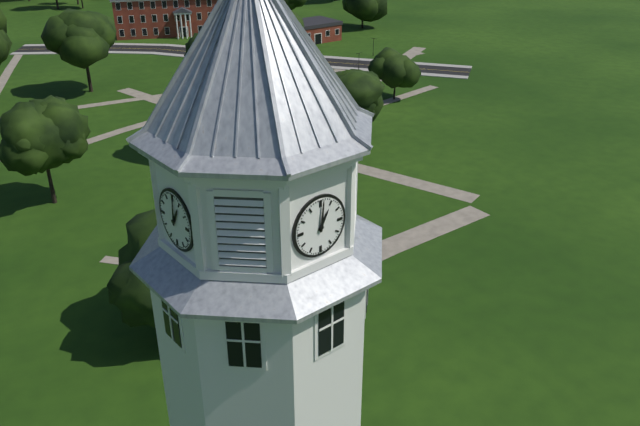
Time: {"hour": 1, "minute": 1}
